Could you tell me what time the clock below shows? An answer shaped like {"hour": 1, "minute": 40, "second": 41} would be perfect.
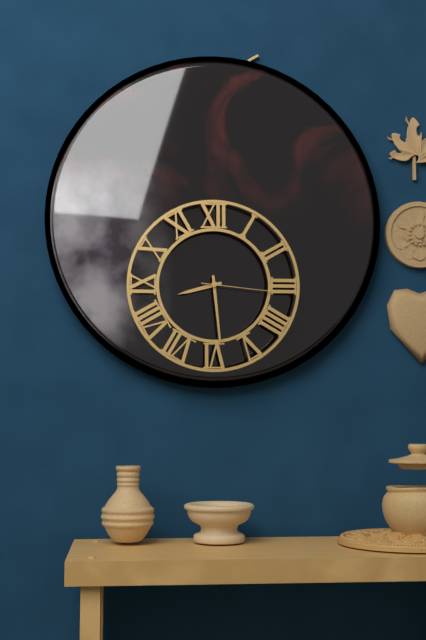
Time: {"hour": 8, "minute": 29, "second": 16}
